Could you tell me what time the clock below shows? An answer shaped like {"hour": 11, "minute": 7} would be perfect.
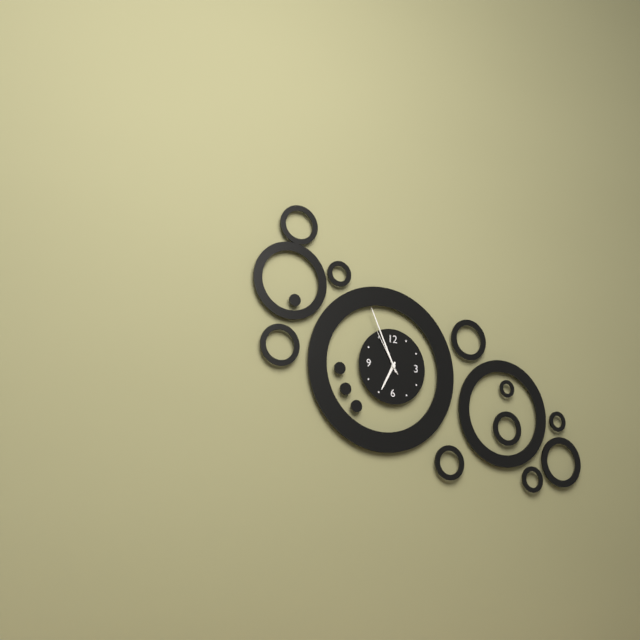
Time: {"hour": 6, "minute": 56}
